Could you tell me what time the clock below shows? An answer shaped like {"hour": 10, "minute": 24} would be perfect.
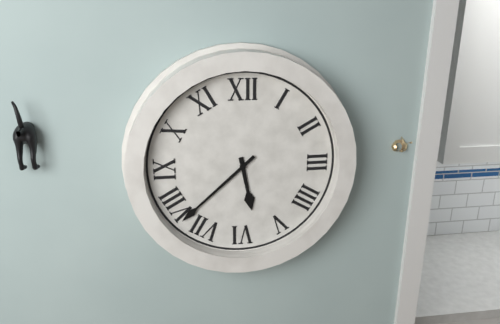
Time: {"hour": 5, "minute": 38}
